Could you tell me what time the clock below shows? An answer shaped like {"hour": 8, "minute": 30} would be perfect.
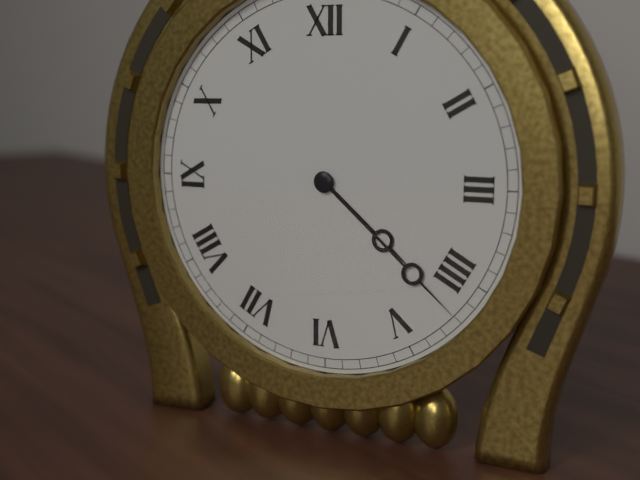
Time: {"hour": 4, "minute": 22}
